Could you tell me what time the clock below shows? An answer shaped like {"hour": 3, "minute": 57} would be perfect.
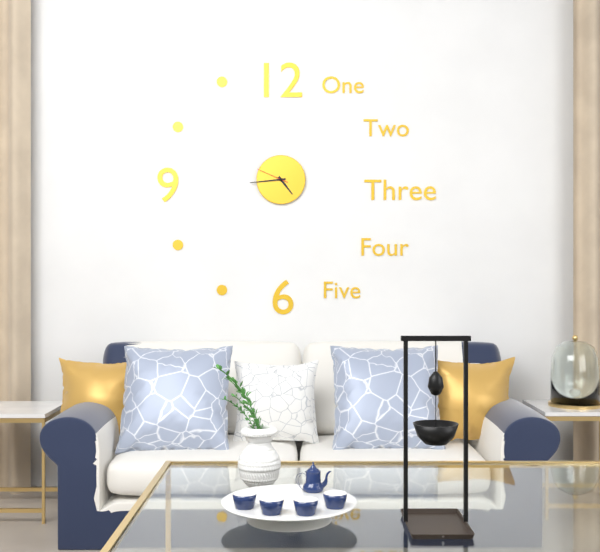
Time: {"hour": 4, "minute": 44}
